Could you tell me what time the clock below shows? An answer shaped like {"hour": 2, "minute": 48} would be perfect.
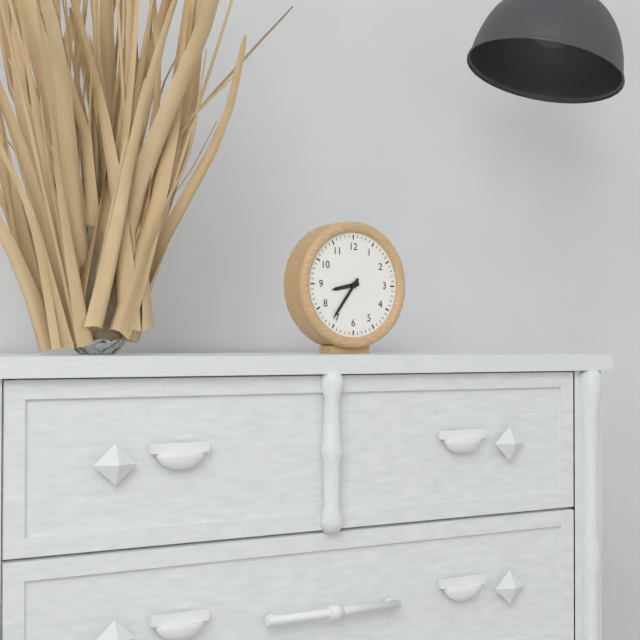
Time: {"hour": 8, "minute": 36}
